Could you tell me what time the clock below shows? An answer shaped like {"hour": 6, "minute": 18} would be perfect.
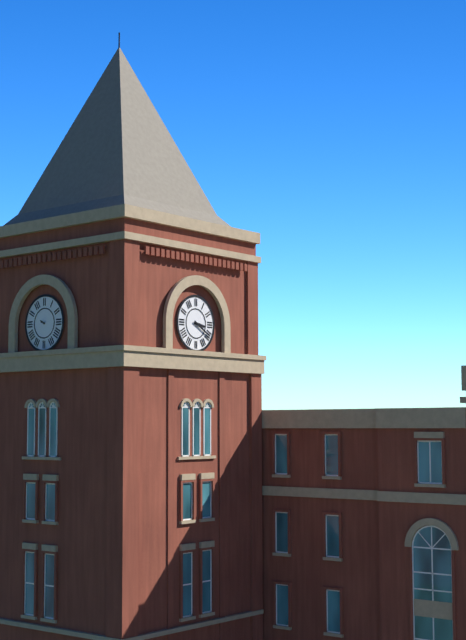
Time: {"hour": 3, "minute": 20}
